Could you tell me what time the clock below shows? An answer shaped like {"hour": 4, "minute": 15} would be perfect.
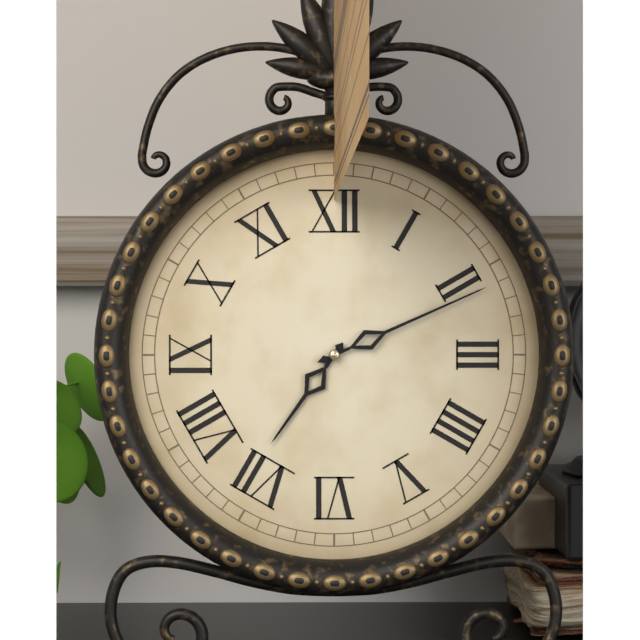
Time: {"hour": 7, "minute": 11}
